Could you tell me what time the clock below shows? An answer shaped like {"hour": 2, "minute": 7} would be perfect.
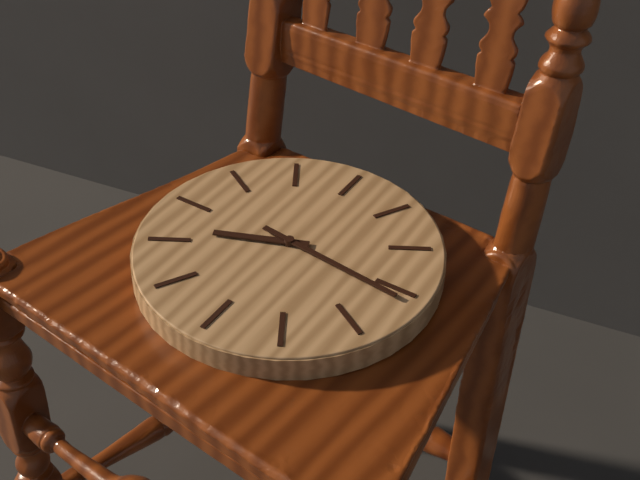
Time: {"hour": 8, "minute": 16}
